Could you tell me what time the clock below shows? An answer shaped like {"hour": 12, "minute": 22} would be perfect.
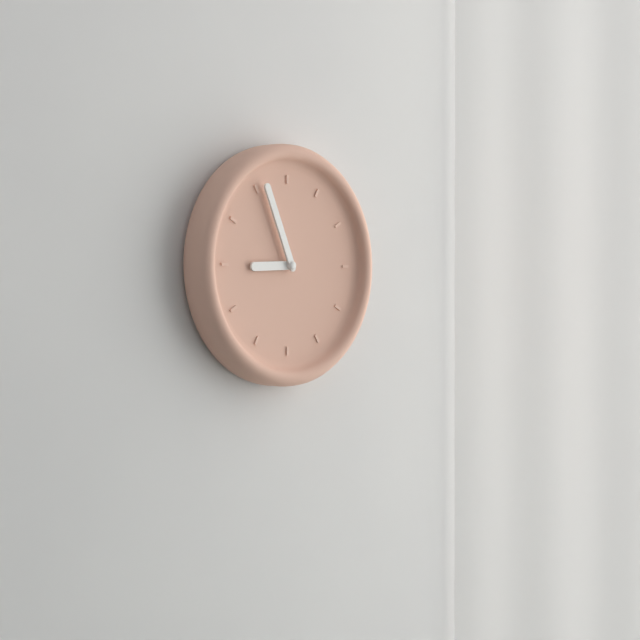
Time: {"hour": 8, "minute": 56}
